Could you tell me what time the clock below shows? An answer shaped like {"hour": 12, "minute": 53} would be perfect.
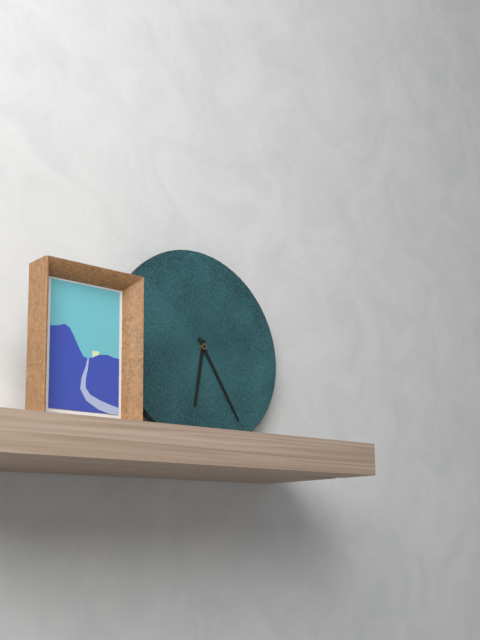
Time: {"hour": 6, "minute": 25}
